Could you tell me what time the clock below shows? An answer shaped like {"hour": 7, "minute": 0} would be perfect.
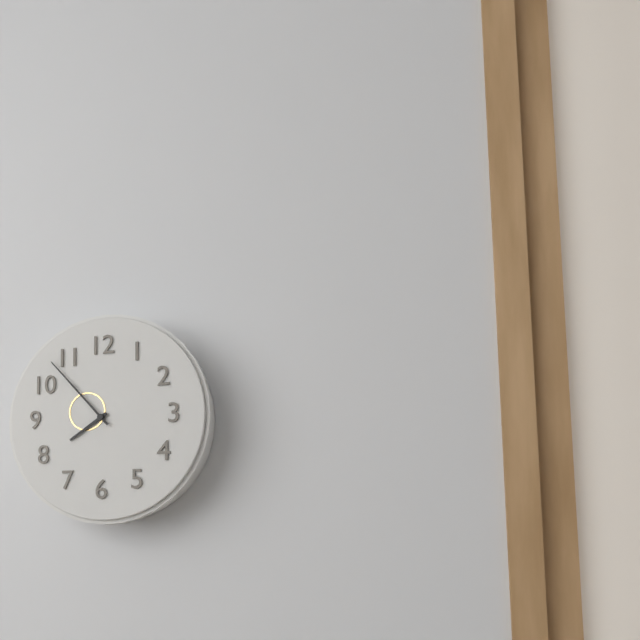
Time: {"hour": 7, "minute": 53}
